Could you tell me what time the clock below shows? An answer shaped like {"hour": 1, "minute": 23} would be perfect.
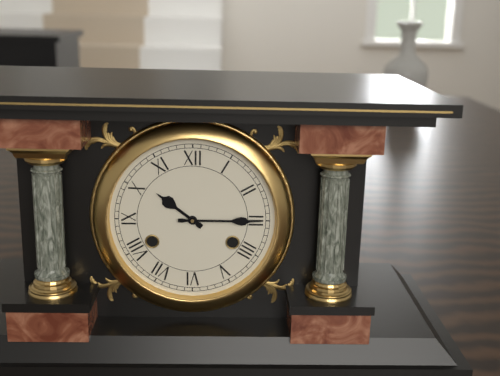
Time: {"hour": 10, "minute": 15}
